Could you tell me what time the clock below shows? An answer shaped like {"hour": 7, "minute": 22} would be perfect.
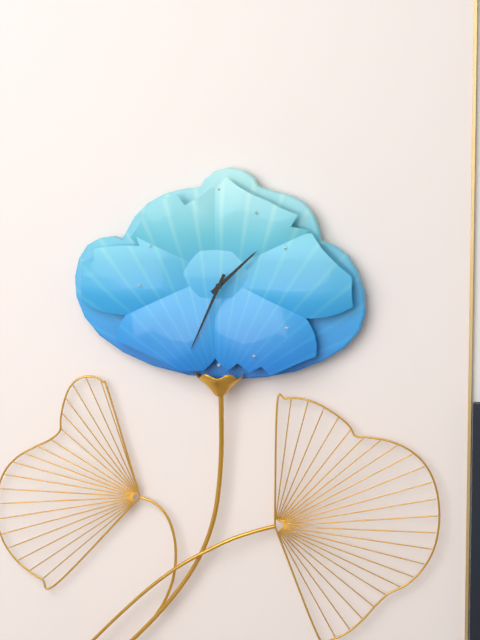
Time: {"hour": 1, "minute": 34}
